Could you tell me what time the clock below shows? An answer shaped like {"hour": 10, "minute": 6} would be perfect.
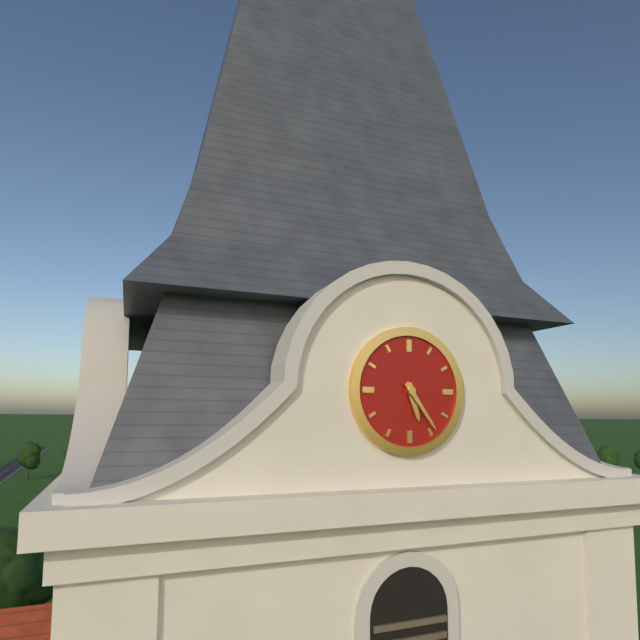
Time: {"hour": 5, "minute": 24}
